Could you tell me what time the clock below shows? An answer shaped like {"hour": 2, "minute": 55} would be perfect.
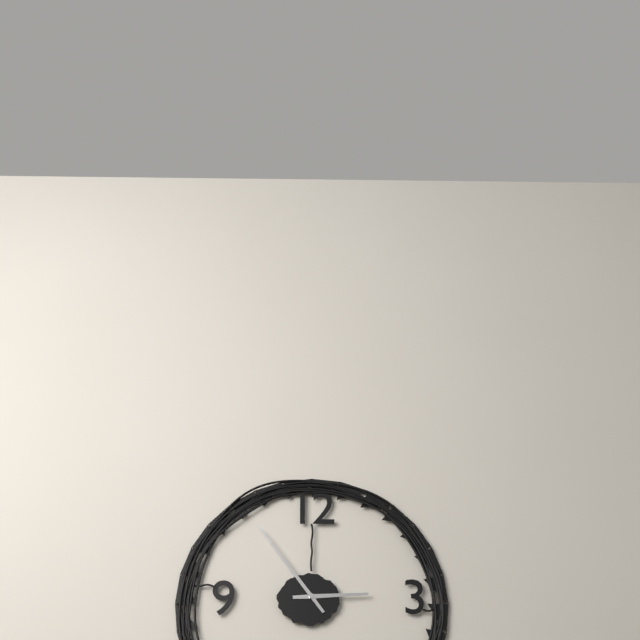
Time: {"hour": 2, "minute": 54}
